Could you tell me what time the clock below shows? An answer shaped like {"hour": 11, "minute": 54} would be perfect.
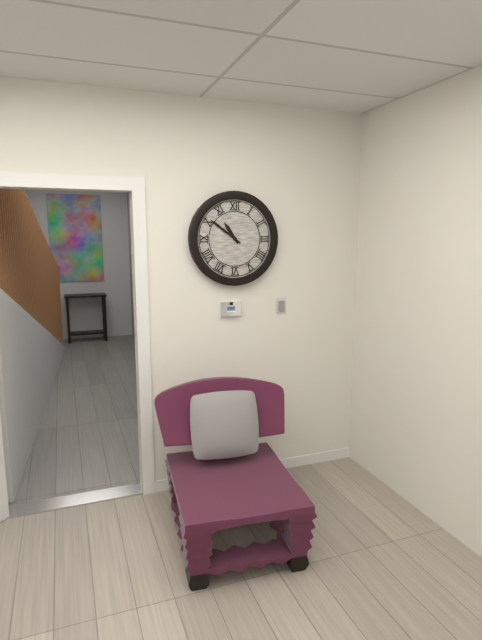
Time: {"hour": 10, "minute": 51}
